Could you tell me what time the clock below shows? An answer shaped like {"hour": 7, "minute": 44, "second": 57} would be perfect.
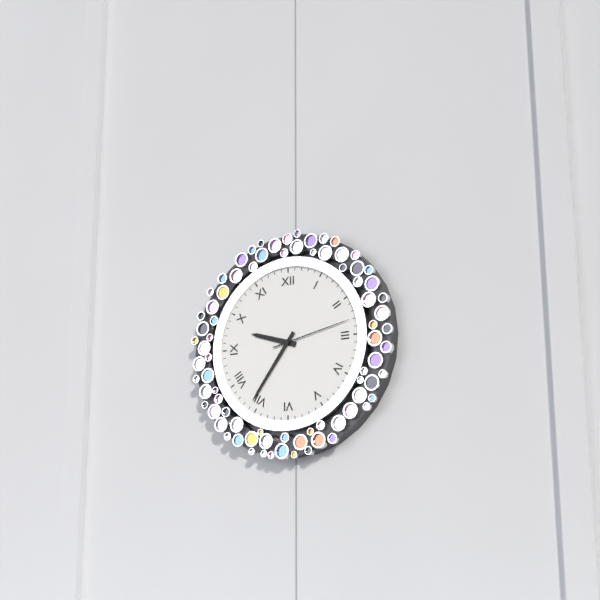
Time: {"hour": 9, "minute": 36, "second": 13}
